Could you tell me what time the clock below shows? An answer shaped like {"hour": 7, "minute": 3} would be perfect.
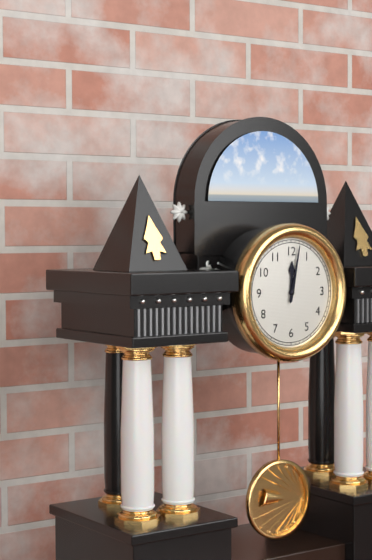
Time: {"hour": 12, "minute": 2}
